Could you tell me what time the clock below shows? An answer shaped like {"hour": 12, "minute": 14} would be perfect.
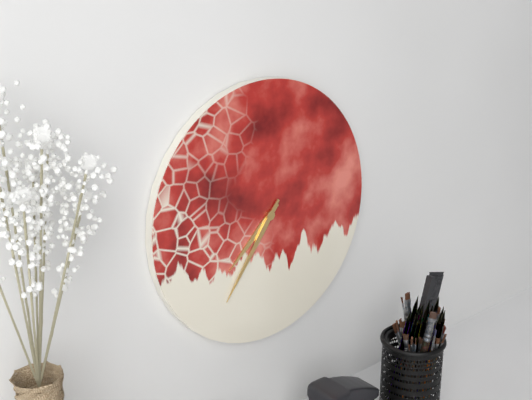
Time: {"hour": 7, "minute": 36}
